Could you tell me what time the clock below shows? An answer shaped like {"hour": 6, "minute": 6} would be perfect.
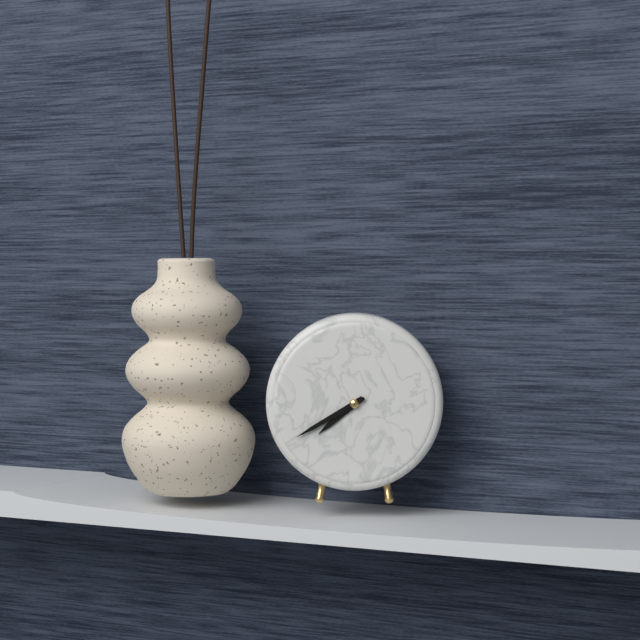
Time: {"hour": 7, "minute": 40}
